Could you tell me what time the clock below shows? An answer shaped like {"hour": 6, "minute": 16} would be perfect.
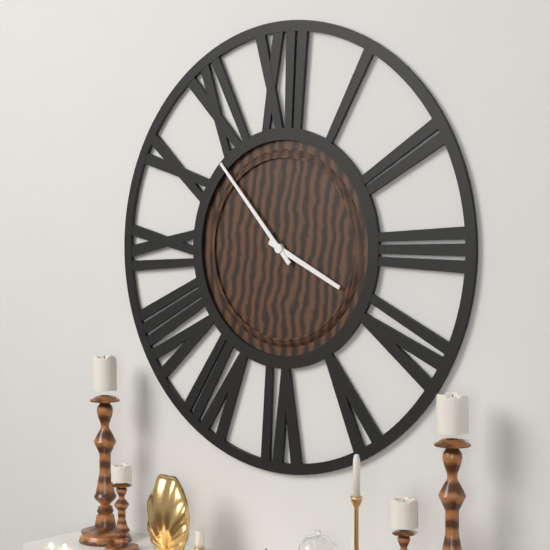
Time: {"hour": 3, "minute": 53}
